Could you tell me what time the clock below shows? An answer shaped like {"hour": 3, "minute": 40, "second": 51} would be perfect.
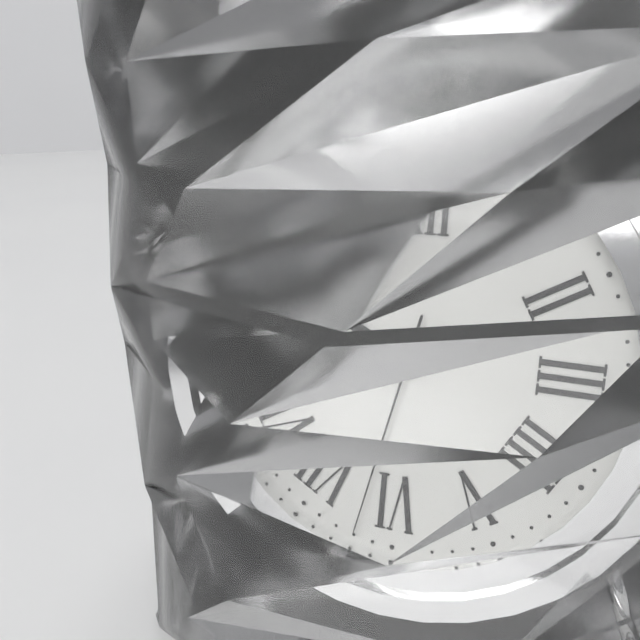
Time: {"hour": 8, "minute": 49, "second": 32}
